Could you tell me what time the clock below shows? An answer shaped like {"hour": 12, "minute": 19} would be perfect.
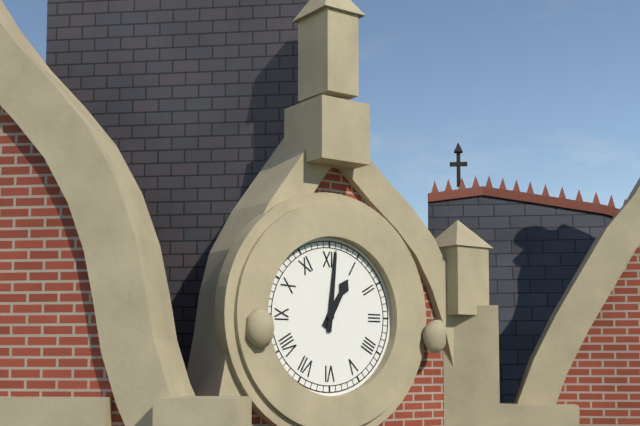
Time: {"hour": 1, "minute": 1}
